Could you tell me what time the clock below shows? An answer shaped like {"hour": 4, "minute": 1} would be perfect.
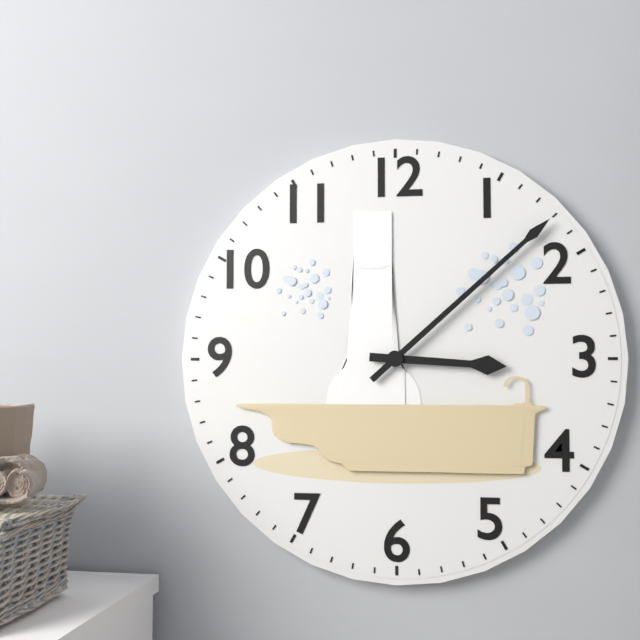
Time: {"hour": 3, "minute": 8}
